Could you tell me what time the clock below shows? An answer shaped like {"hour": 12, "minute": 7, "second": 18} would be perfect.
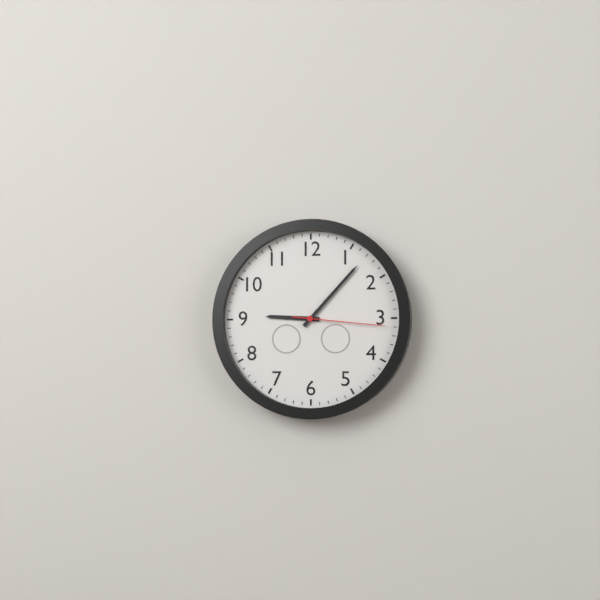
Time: {"hour": 9, "minute": 7, "second": 16}
